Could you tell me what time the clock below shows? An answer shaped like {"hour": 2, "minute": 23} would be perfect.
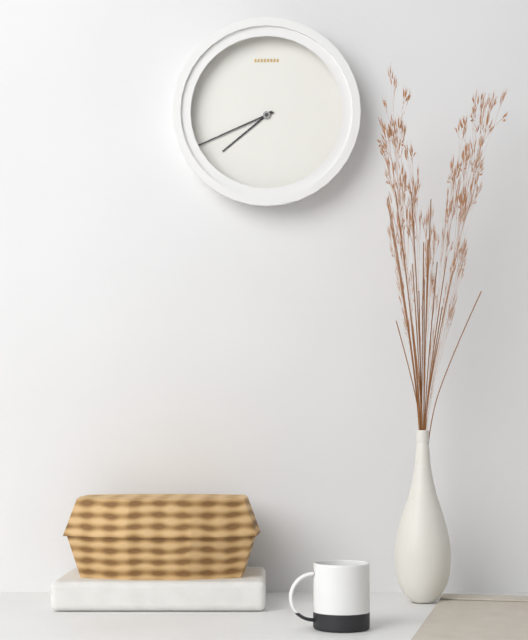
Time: {"hour": 7, "minute": 41}
